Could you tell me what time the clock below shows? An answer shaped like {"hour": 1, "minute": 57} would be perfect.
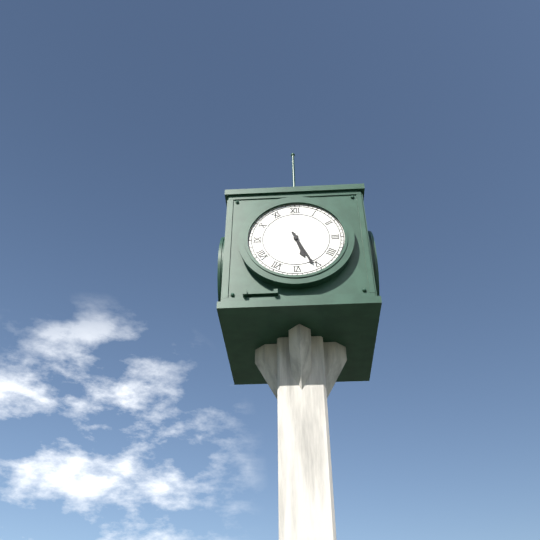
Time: {"hour": 5, "minute": 26}
